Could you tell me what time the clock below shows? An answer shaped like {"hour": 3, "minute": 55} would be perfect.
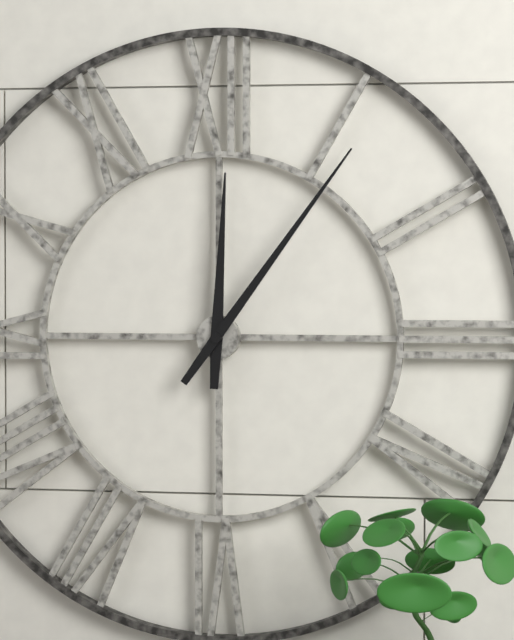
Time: {"hour": 12, "minute": 6}
